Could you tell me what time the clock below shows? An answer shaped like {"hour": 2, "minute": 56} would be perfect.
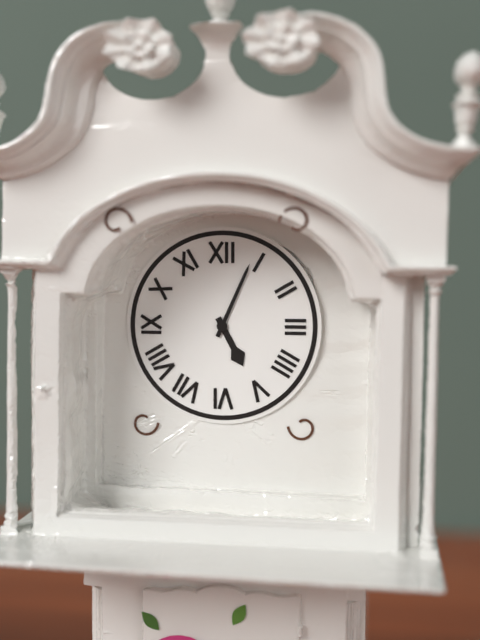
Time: {"hour": 5, "minute": 4}
